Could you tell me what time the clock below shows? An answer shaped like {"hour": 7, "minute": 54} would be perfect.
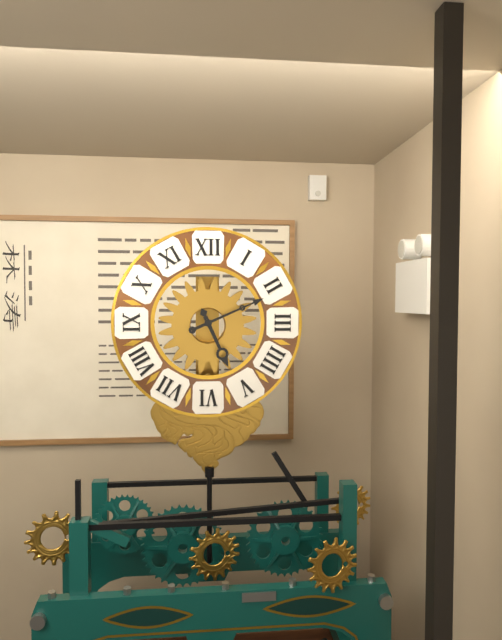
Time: {"hour": 5, "minute": 11}
